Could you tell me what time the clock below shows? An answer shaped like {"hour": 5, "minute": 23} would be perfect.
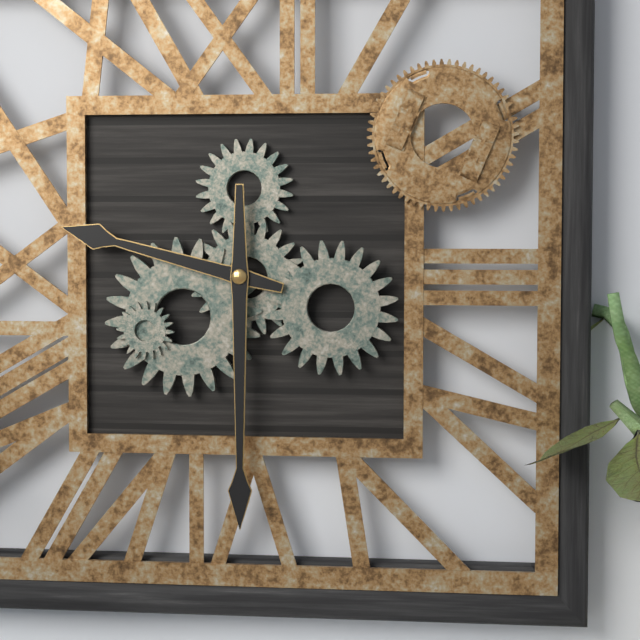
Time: {"hour": 9, "minute": 30}
